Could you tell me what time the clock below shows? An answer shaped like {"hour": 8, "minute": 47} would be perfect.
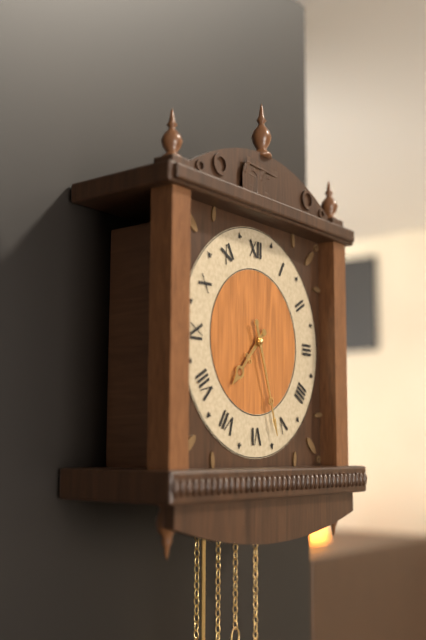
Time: {"hour": 7, "minute": 27}
